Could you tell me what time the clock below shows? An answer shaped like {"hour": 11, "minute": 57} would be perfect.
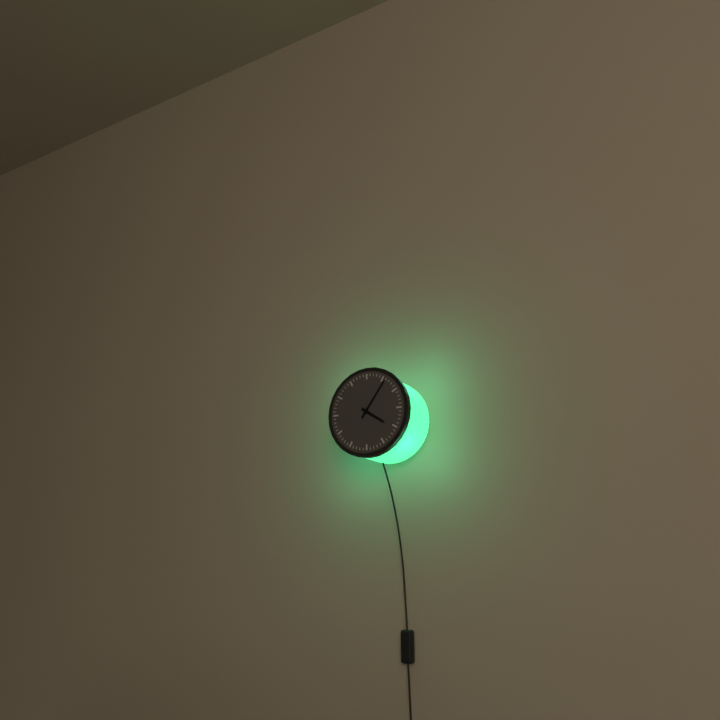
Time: {"hour": 4, "minute": 6}
